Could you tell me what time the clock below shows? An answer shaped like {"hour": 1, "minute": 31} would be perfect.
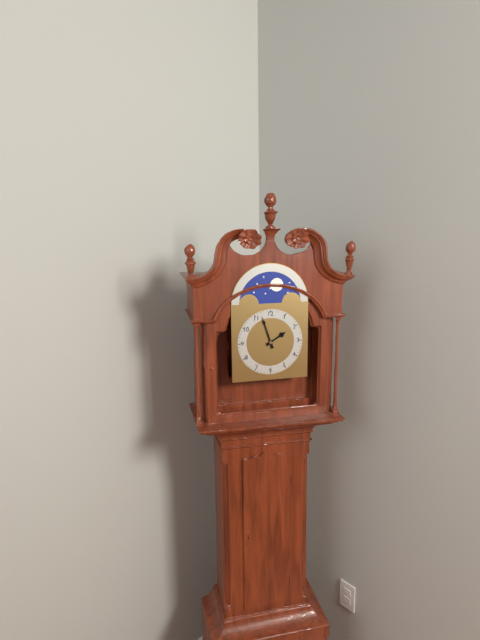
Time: {"hour": 1, "minute": 57}
